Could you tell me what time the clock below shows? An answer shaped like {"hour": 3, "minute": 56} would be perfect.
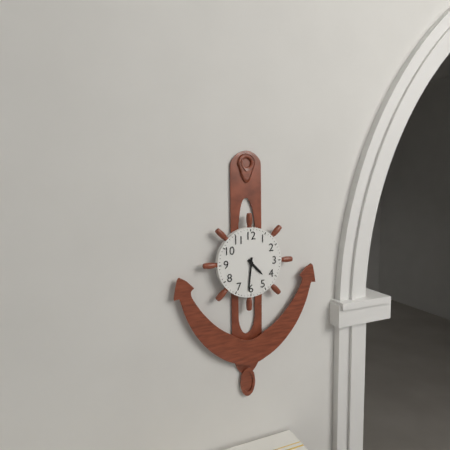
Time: {"hour": 4, "minute": 31}
